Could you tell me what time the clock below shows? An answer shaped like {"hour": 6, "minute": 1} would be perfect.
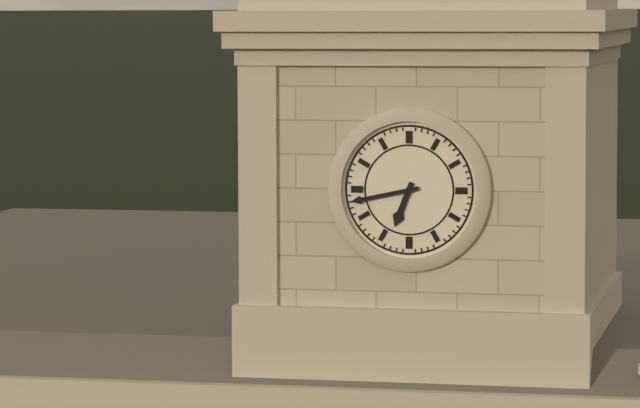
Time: {"hour": 6, "minute": 43}
